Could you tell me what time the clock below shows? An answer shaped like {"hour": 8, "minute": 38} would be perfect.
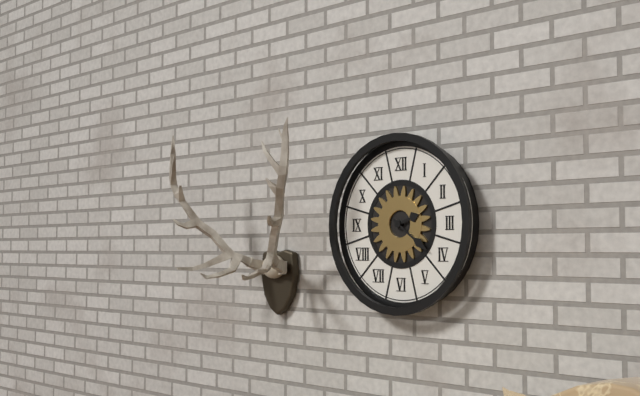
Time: {"hour": 2, "minute": 21}
